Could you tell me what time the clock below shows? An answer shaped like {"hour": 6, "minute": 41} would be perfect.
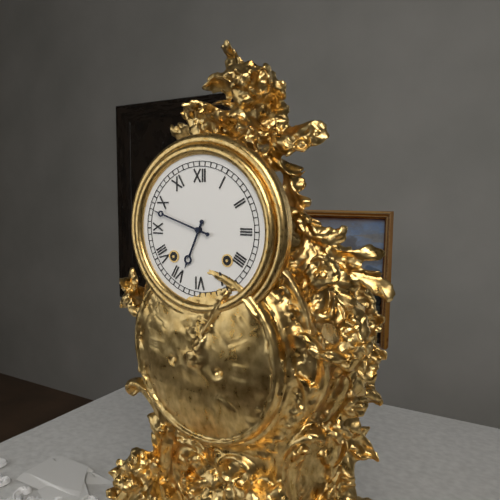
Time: {"hour": 6, "minute": 48}
